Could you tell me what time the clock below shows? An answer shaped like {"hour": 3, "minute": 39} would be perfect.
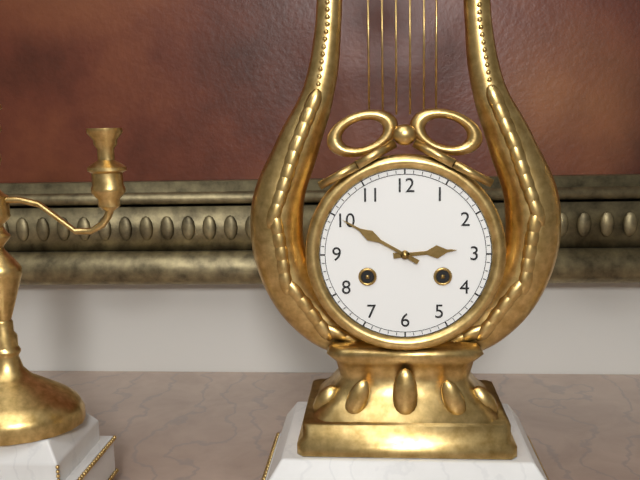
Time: {"hour": 2, "minute": 50}
